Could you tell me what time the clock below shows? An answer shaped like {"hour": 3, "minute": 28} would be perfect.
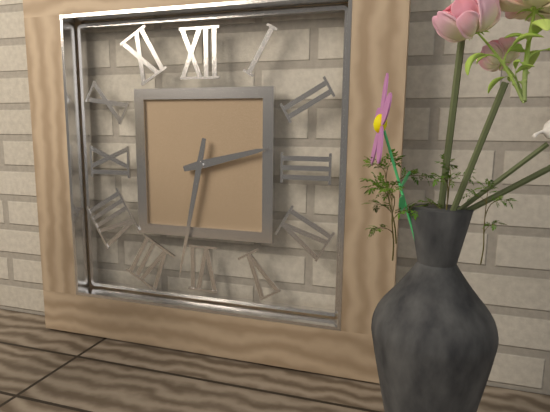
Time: {"hour": 2, "minute": 32}
